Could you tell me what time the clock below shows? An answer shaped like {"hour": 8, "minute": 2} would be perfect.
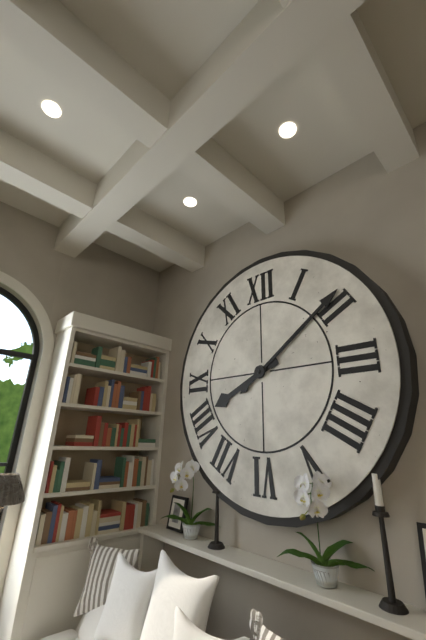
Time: {"hour": 8, "minute": 9}
